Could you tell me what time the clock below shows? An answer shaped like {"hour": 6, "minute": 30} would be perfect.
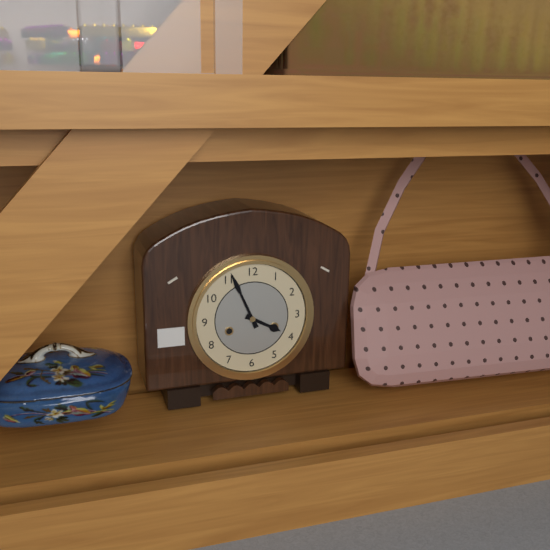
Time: {"hour": 3, "minute": 56}
